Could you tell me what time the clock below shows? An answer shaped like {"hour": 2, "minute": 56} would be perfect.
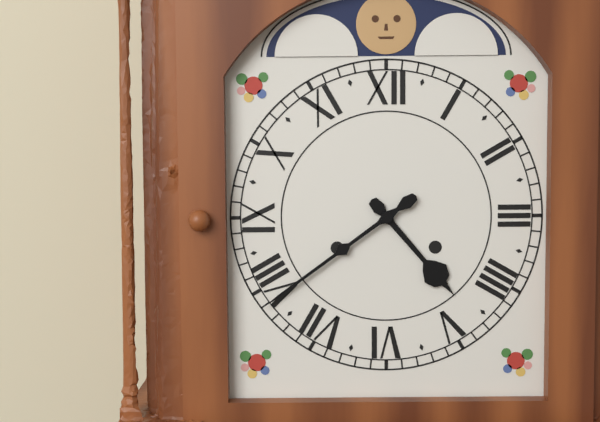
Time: {"hour": 4, "minute": 39}
